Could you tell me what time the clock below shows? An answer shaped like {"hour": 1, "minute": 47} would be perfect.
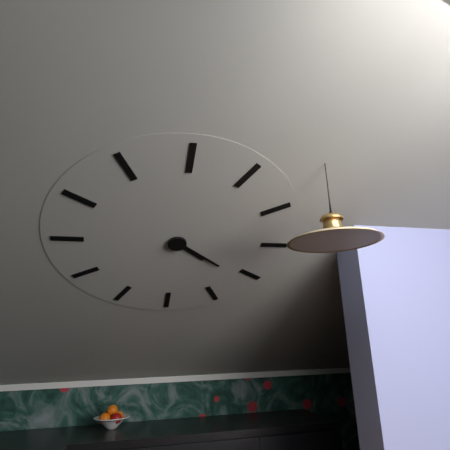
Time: {"hour": 4, "minute": 21}
